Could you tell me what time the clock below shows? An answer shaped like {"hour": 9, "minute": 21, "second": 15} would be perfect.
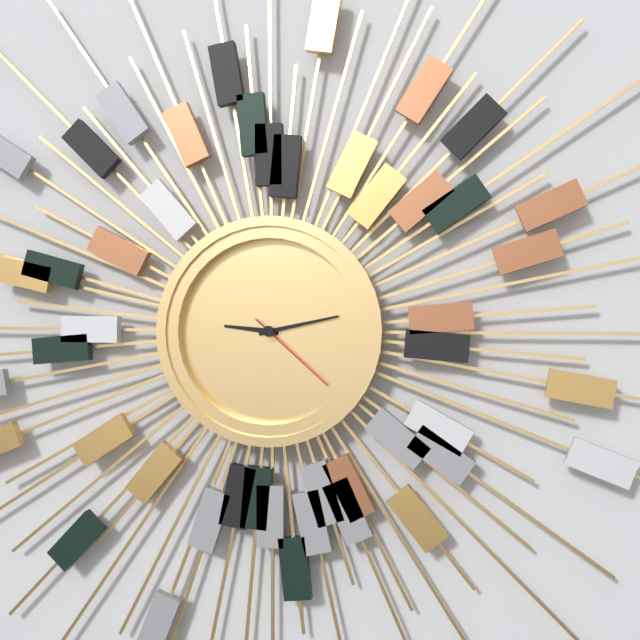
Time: {"hour": 9, "minute": 13, "second": 22}
